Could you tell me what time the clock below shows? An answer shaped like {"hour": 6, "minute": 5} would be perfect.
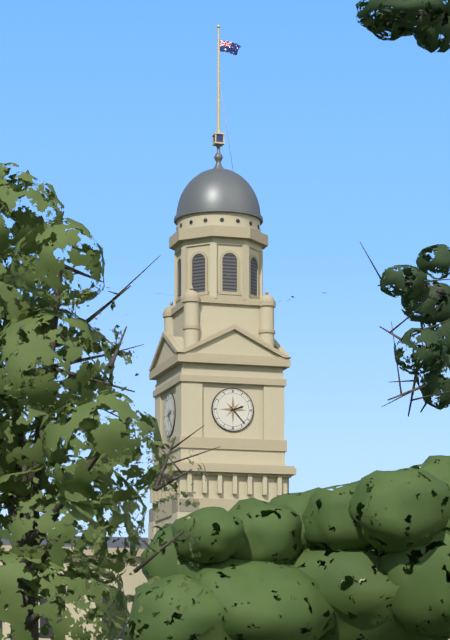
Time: {"hour": 2, "minute": 23}
